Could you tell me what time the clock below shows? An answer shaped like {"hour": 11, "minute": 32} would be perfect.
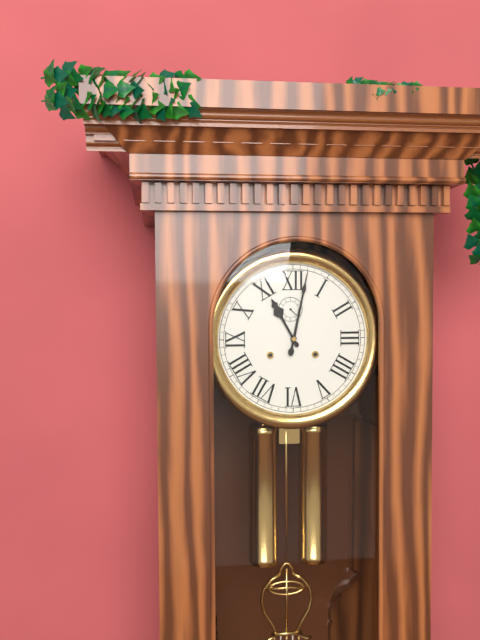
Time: {"hour": 11, "minute": 2}
